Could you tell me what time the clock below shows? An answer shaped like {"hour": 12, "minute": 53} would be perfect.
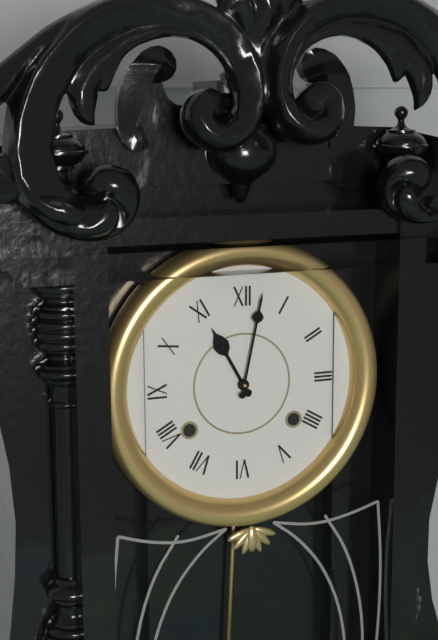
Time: {"hour": 11, "minute": 2}
